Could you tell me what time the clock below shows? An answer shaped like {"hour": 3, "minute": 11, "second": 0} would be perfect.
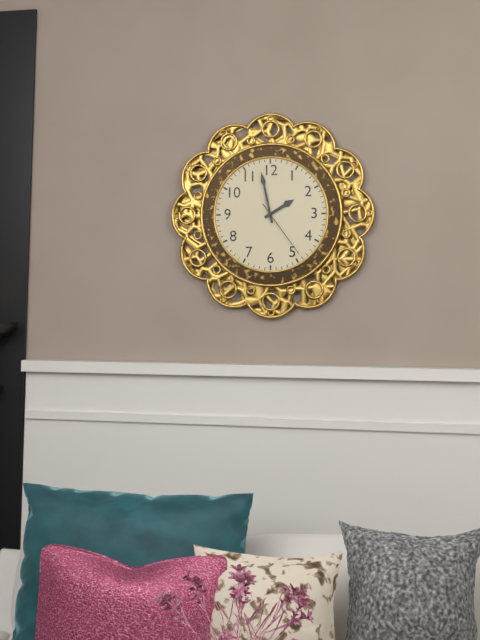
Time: {"hour": 1, "minute": 58, "second": 24}
